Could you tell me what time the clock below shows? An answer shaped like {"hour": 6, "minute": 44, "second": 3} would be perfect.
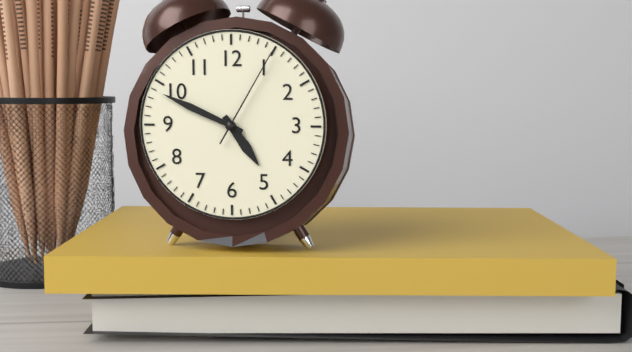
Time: {"hour": 4, "minute": 49, "second": 5}
